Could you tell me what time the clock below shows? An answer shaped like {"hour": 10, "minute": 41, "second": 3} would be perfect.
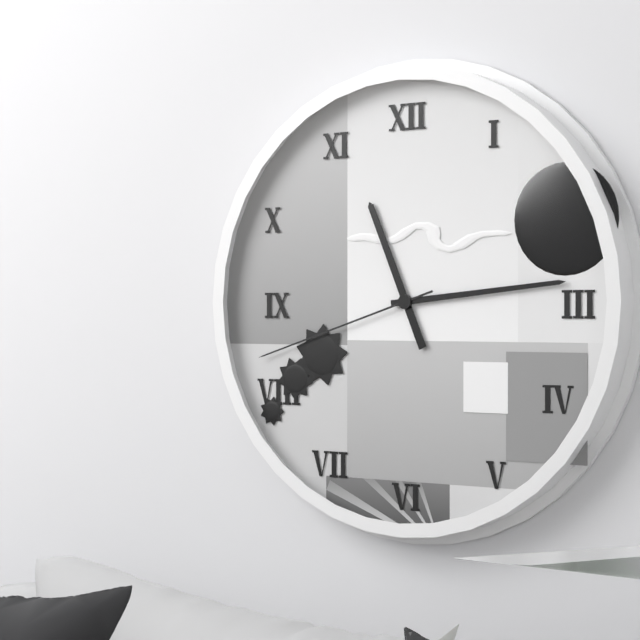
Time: {"hour": 11, "minute": 14, "second": 42}
